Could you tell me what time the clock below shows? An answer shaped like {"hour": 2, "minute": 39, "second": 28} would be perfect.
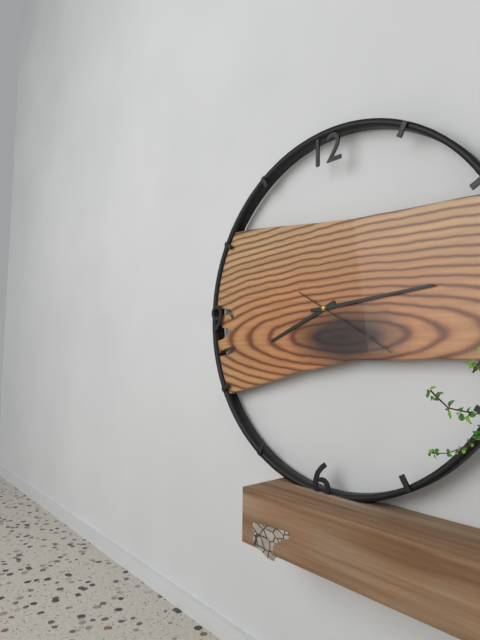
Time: {"hour": 8, "minute": 14, "second": 20}
